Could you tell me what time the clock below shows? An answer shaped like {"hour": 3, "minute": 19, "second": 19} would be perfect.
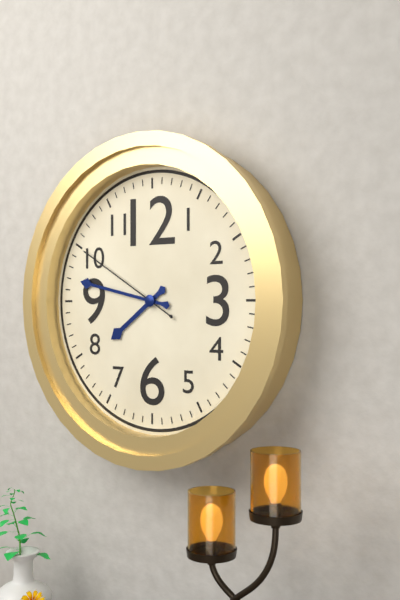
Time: {"hour": 7, "minute": 47, "second": 50}
